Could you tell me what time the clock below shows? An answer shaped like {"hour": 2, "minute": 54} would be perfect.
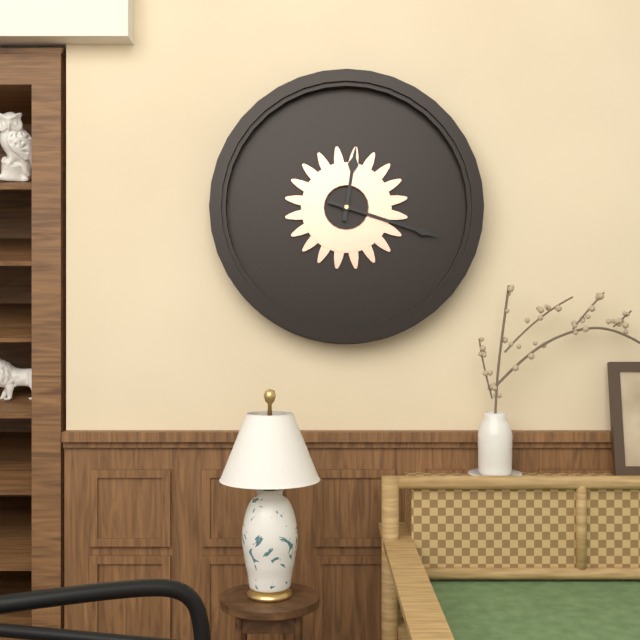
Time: {"hour": 12, "minute": 18}
